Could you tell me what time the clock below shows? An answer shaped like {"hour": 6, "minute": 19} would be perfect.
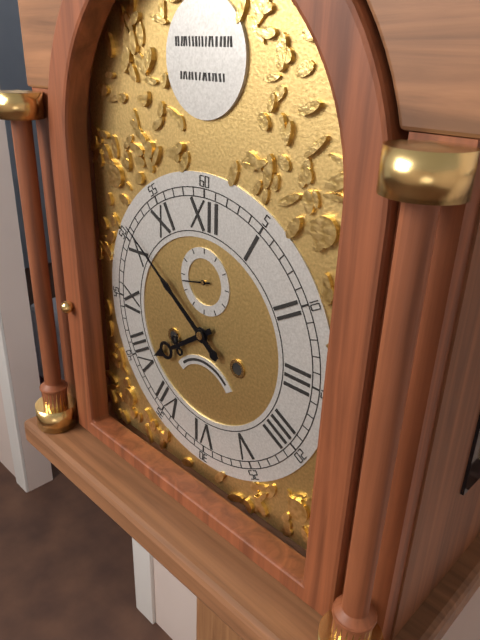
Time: {"hour": 7, "minute": 51}
